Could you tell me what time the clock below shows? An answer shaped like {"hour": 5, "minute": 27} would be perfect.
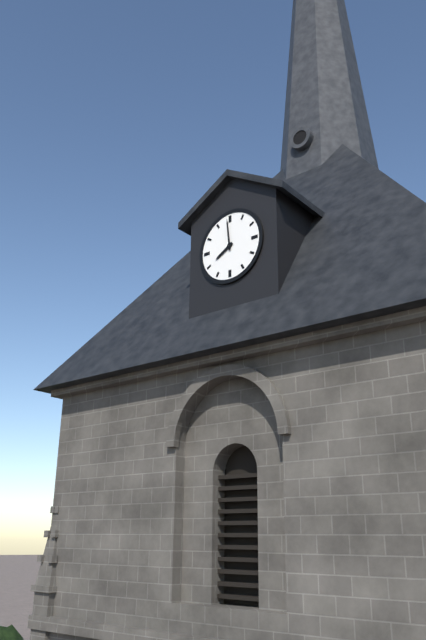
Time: {"hour": 7, "minute": 59}
